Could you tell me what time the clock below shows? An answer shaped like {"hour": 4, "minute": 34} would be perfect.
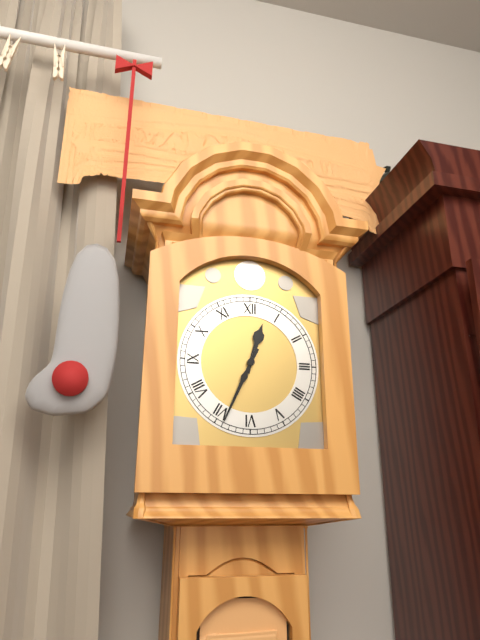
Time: {"hour": 12, "minute": 34}
